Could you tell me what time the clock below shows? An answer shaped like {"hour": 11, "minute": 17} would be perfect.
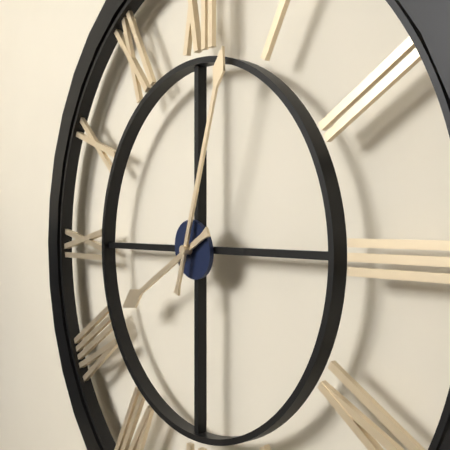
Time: {"hour": 8, "minute": 3}
